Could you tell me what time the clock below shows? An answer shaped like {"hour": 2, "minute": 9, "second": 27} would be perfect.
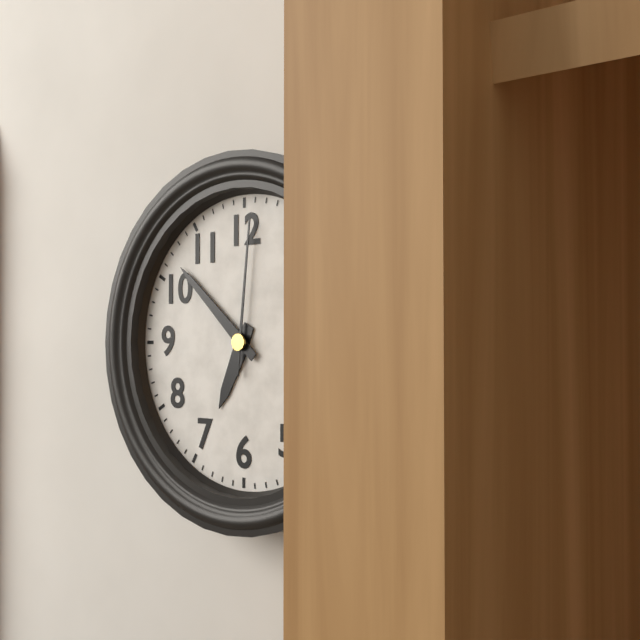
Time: {"hour": 6, "minute": 52, "second": 1}
